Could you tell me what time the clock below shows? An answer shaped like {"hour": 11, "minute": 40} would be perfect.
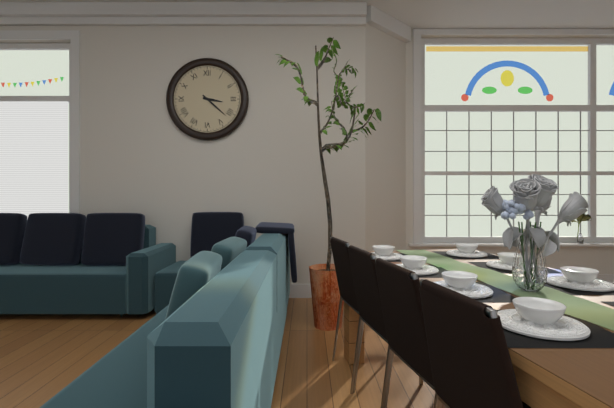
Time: {"hour": 3, "minute": 22}
